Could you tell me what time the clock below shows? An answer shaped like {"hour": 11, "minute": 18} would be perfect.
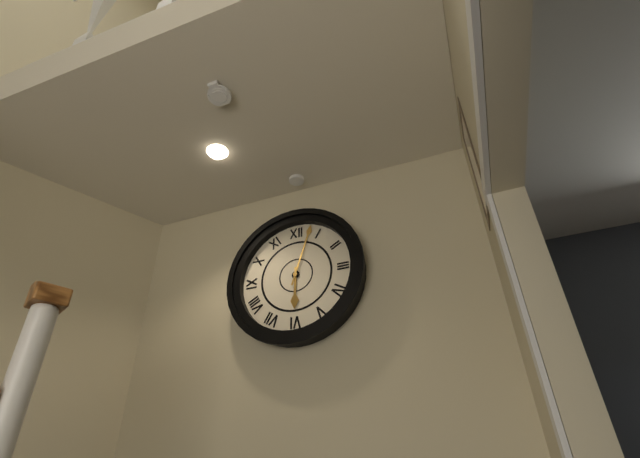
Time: {"hour": 6, "minute": 3}
